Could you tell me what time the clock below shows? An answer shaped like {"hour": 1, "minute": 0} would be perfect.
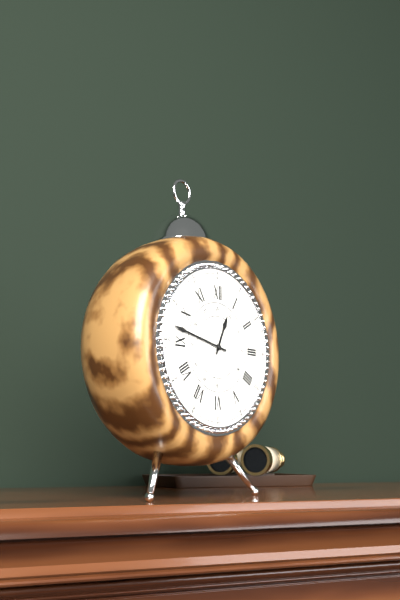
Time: {"hour": 12, "minute": 47}
